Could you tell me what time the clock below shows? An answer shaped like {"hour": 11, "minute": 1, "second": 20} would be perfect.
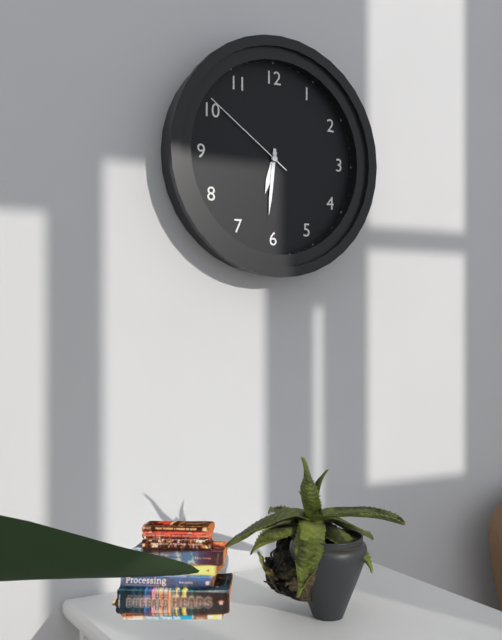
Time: {"hour": 6, "minute": 31, "second": 51}
